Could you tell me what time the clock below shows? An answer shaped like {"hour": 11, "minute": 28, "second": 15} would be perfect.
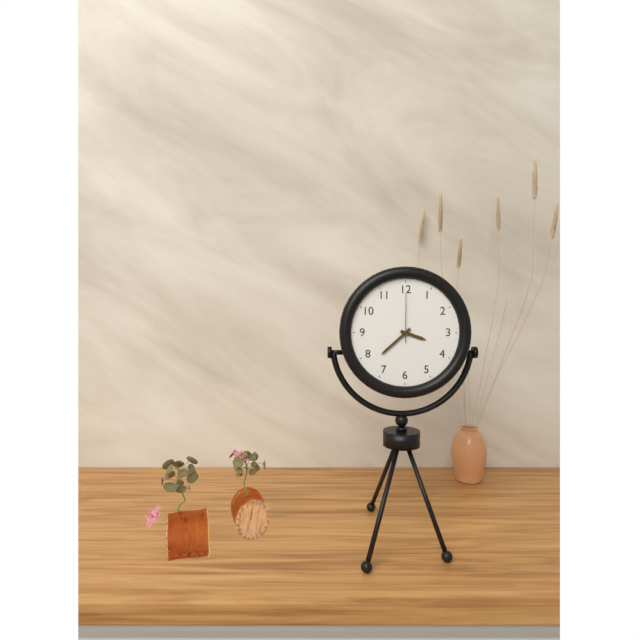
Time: {"hour": 3, "minute": 38, "second": 0}
